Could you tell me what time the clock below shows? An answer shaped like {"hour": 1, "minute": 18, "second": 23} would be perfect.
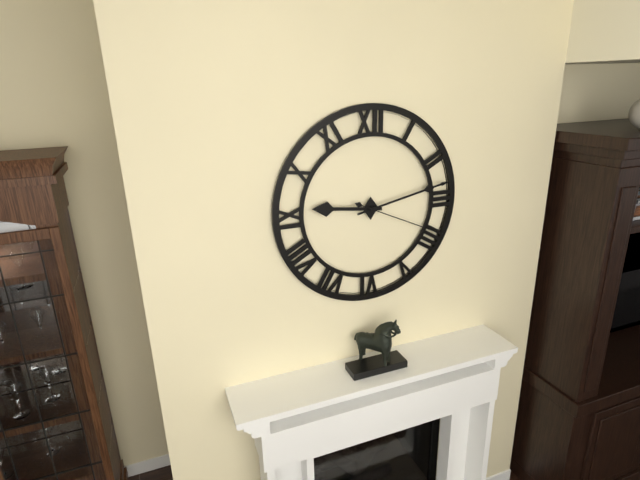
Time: {"hour": 9, "minute": 13, "second": 19}
